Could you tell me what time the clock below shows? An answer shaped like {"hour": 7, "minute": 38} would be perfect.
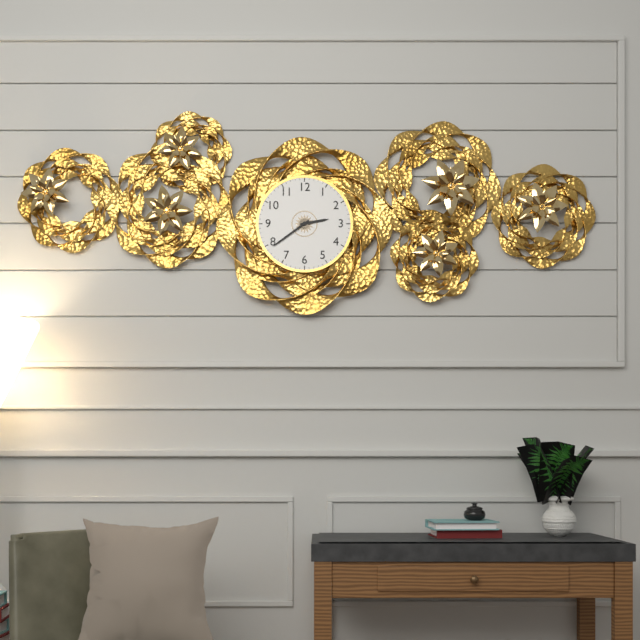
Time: {"hour": 2, "minute": 39}
